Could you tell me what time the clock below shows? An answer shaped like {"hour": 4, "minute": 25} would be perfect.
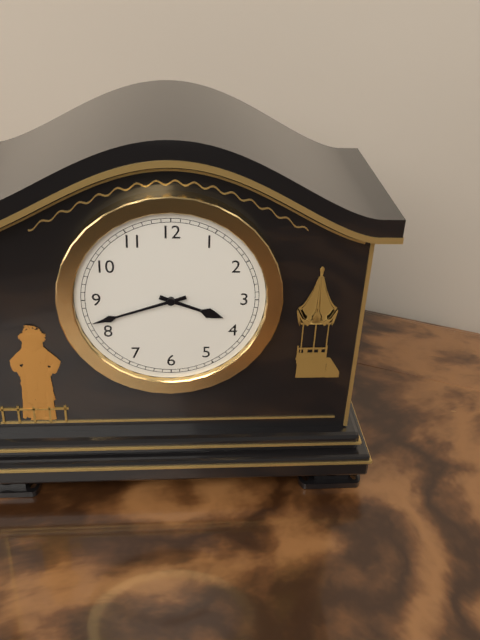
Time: {"hour": 3, "minute": 42}
